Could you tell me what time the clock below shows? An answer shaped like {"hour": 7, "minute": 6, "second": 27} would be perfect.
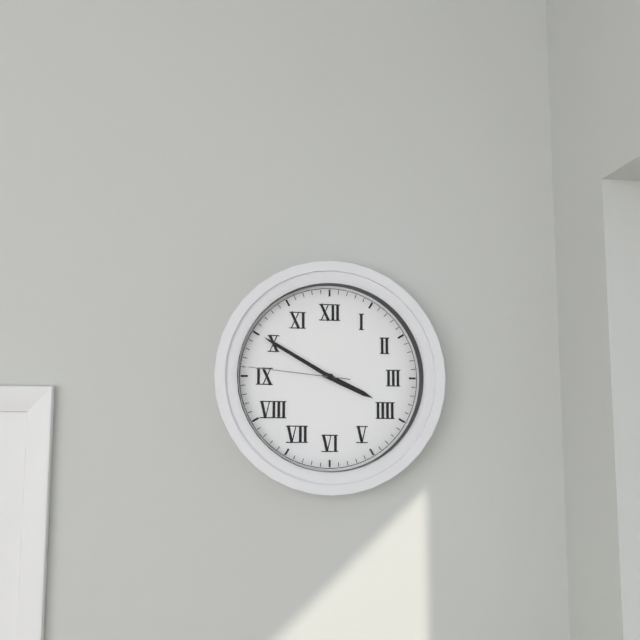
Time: {"hour": 3, "minute": 50, "second": 46}
